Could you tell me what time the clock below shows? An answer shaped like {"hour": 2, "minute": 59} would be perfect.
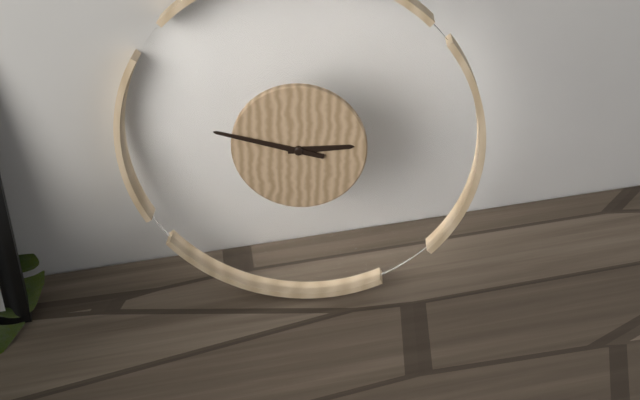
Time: {"hour": 2, "minute": 47}
